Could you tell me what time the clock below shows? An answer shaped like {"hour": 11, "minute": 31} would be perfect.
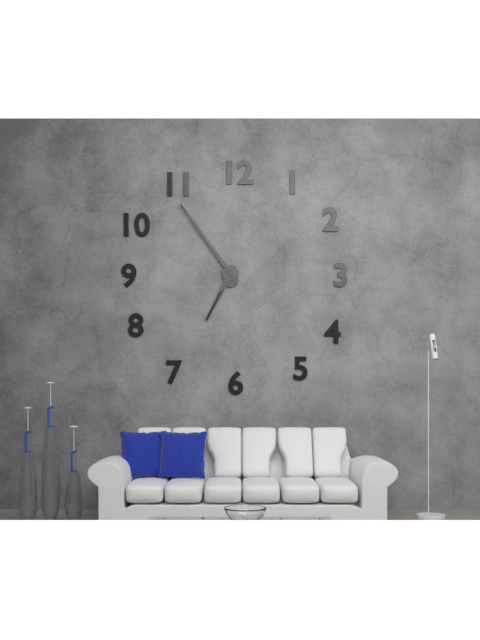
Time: {"hour": 6, "minute": 54}
